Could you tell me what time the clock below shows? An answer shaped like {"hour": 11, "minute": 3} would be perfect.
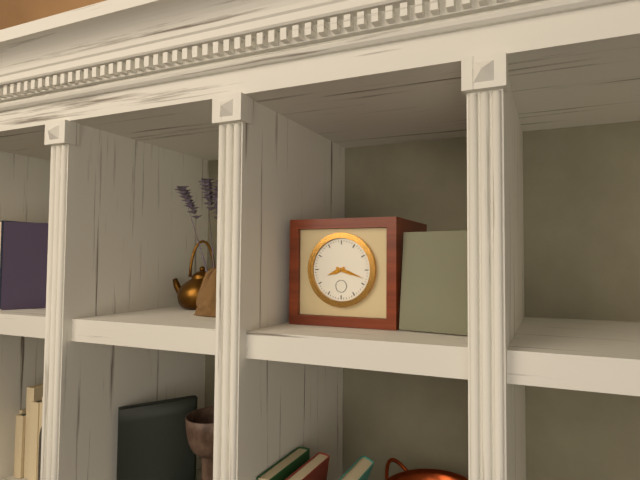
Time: {"hour": 8, "minute": 18}
